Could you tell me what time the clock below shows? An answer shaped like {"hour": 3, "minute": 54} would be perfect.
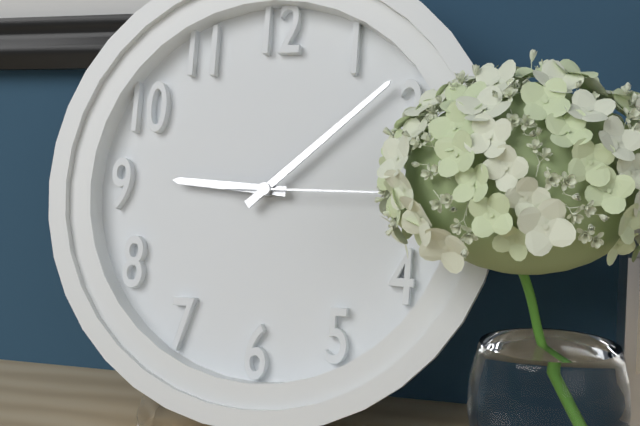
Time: {"hour": 9, "minute": 8}
